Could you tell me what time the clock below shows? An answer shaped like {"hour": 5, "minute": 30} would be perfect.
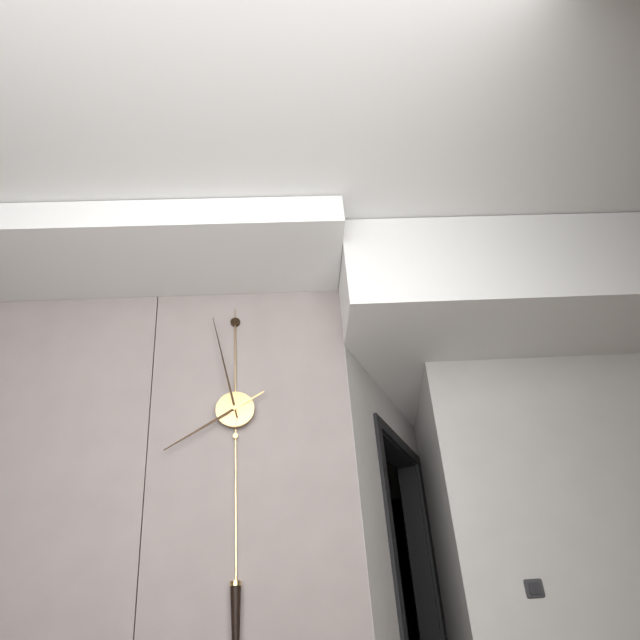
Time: {"hour": 7, "minute": 58}
